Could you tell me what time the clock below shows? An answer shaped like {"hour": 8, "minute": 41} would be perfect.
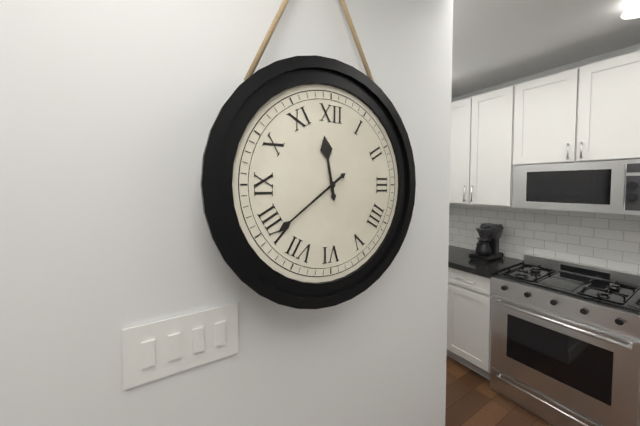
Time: {"hour": 11, "minute": 39}
